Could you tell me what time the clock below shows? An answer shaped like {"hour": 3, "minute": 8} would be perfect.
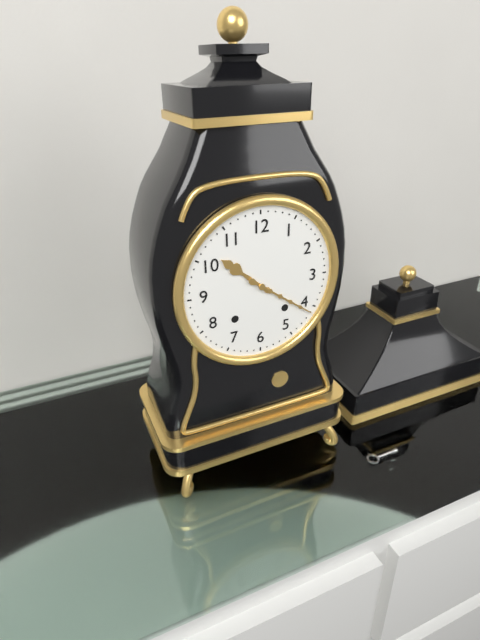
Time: {"hour": 10, "minute": 21}
